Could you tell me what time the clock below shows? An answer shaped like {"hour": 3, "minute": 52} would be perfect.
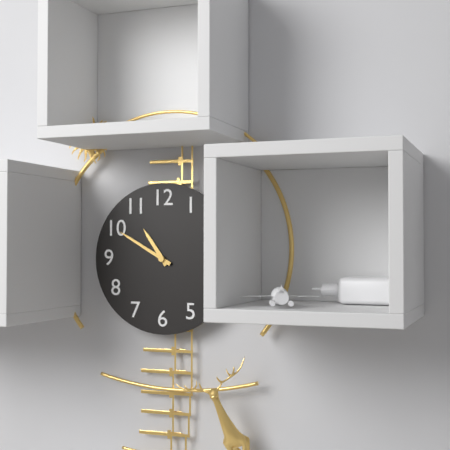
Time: {"hour": 10, "minute": 50}
